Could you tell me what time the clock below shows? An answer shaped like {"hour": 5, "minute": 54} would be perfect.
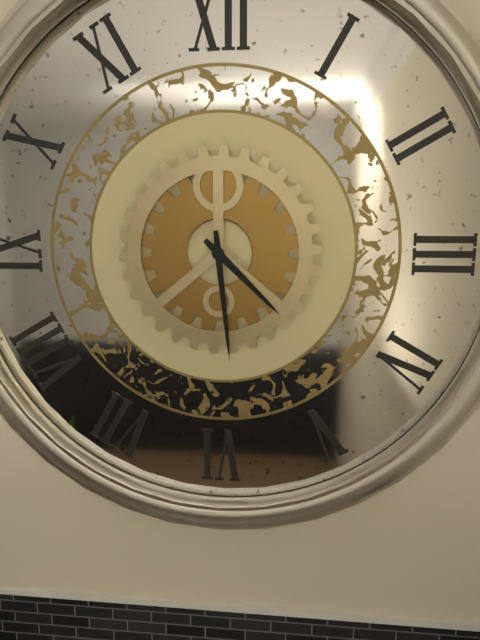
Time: {"hour": 4, "minute": 29}
